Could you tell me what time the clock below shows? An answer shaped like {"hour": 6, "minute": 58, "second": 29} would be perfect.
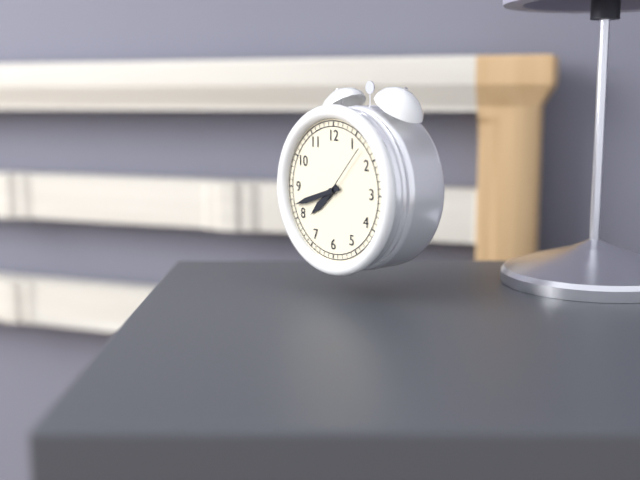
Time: {"hour": 7, "minute": 42, "second": 7}
